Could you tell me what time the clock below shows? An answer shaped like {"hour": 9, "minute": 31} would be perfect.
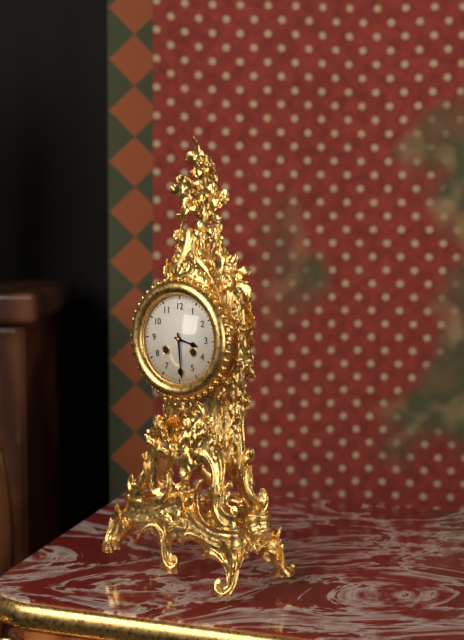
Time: {"hour": 3, "minute": 29}
